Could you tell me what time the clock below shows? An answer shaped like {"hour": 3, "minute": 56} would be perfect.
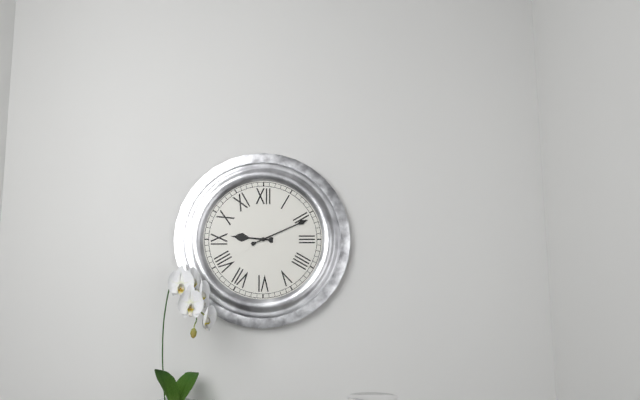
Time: {"hour": 9, "minute": 11}
